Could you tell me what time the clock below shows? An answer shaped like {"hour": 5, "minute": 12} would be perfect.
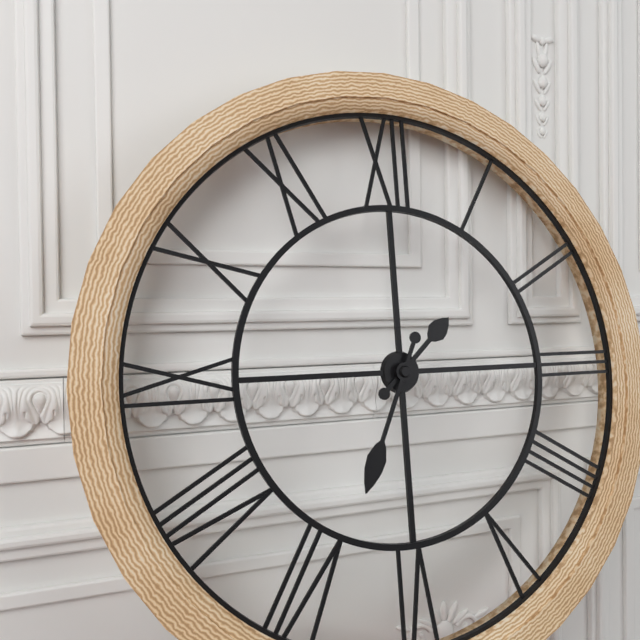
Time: {"hour": 1, "minute": 34}
